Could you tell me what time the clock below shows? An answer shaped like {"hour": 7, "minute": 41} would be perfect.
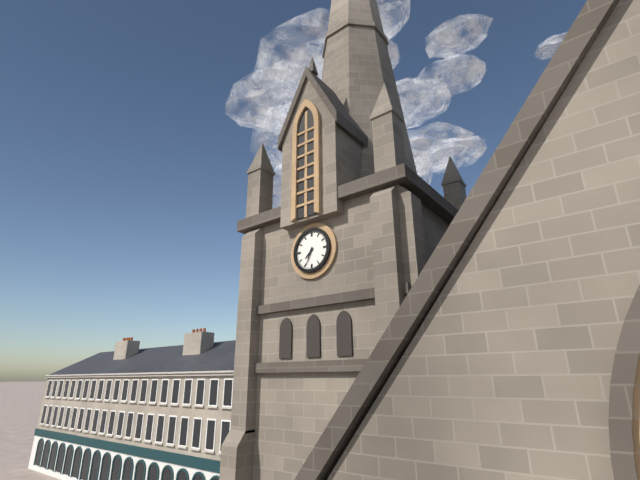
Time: {"hour": 7, "minute": 34}
